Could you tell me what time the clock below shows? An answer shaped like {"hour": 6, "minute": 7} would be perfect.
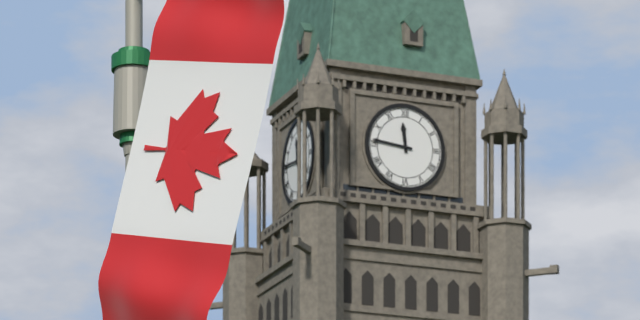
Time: {"hour": 11, "minute": 46}
